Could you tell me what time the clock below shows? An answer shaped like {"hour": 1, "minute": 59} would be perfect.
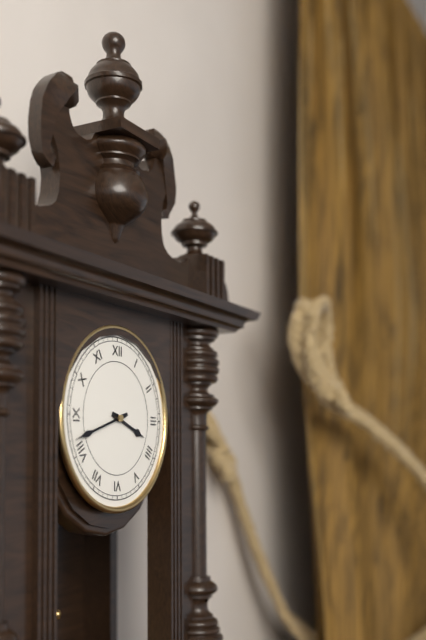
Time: {"hour": 3, "minute": 42}
